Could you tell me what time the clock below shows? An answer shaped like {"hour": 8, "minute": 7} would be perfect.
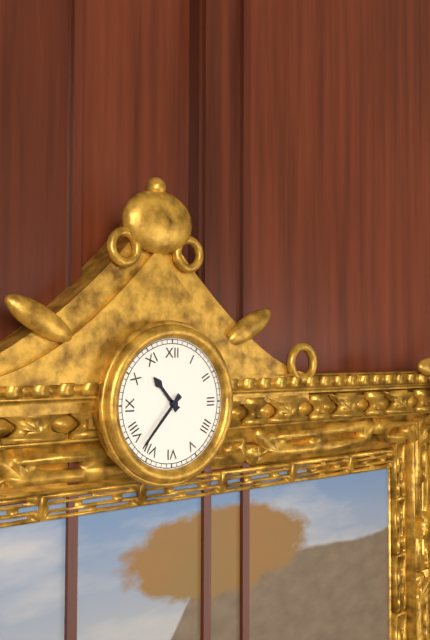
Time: {"hour": 10, "minute": 37}
